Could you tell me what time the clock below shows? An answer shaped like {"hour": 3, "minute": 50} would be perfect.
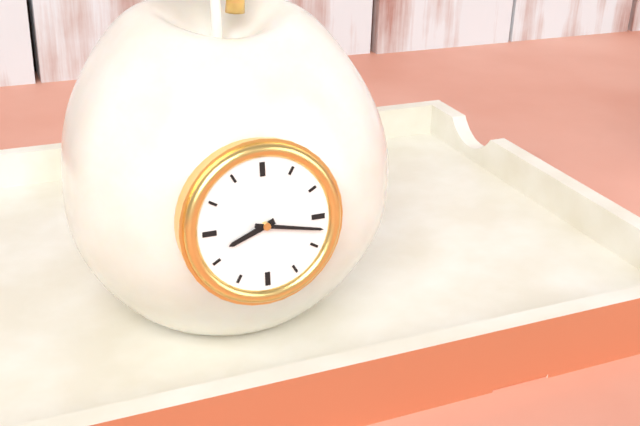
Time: {"hour": 8, "minute": 17}
